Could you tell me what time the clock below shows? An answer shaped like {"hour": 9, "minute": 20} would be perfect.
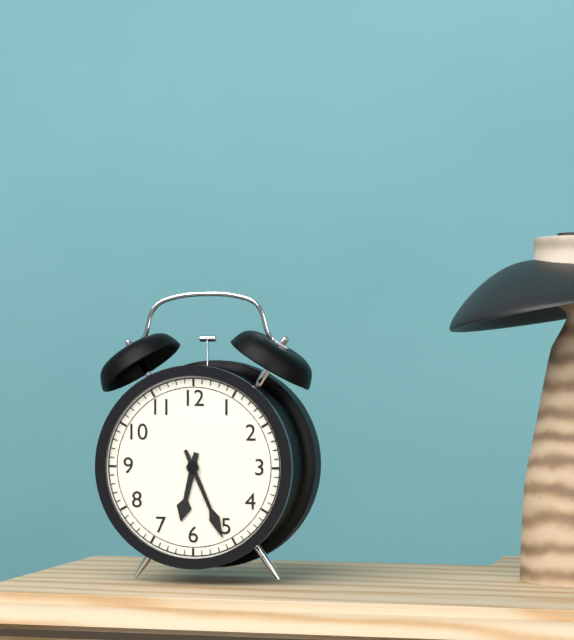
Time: {"hour": 6, "minute": 26}
